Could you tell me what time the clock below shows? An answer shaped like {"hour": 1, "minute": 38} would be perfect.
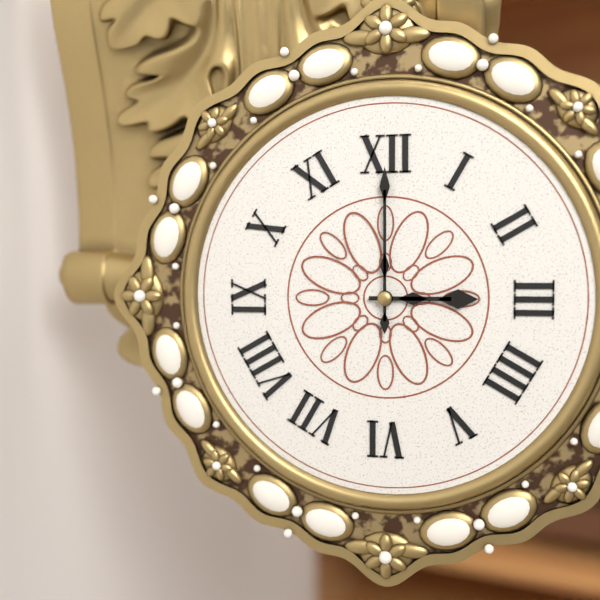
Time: {"hour": 3, "minute": 0}
